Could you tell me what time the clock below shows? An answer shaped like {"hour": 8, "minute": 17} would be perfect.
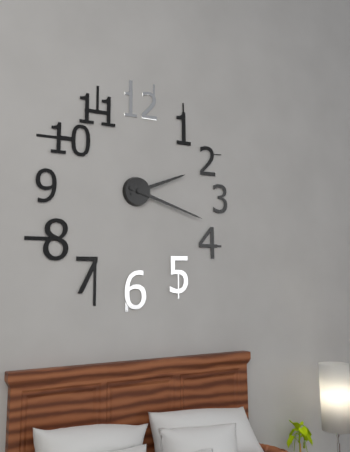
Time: {"hour": 2, "minute": 18}
